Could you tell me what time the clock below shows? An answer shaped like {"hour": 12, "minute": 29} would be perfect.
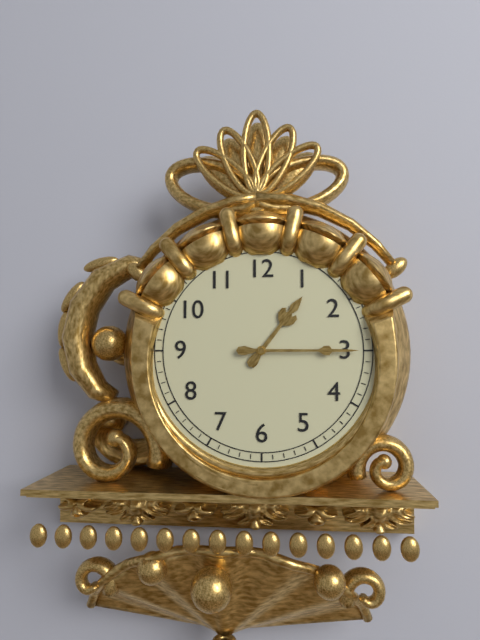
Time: {"hour": 1, "minute": 15}
